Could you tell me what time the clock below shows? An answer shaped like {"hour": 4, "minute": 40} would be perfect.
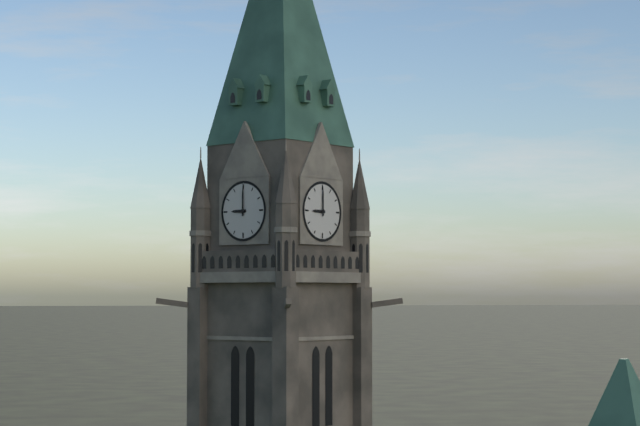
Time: {"hour": 9, "minute": 0}
